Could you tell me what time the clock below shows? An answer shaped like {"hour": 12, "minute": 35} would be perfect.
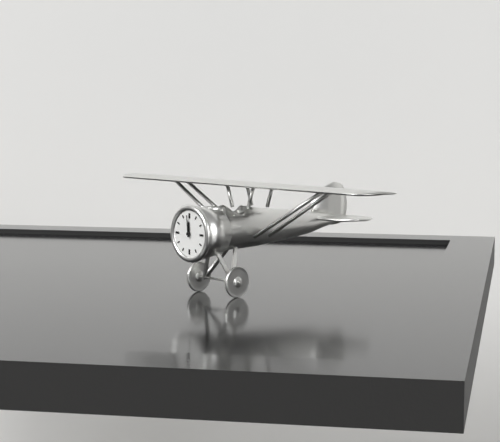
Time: {"hour": 11, "minute": 59}
